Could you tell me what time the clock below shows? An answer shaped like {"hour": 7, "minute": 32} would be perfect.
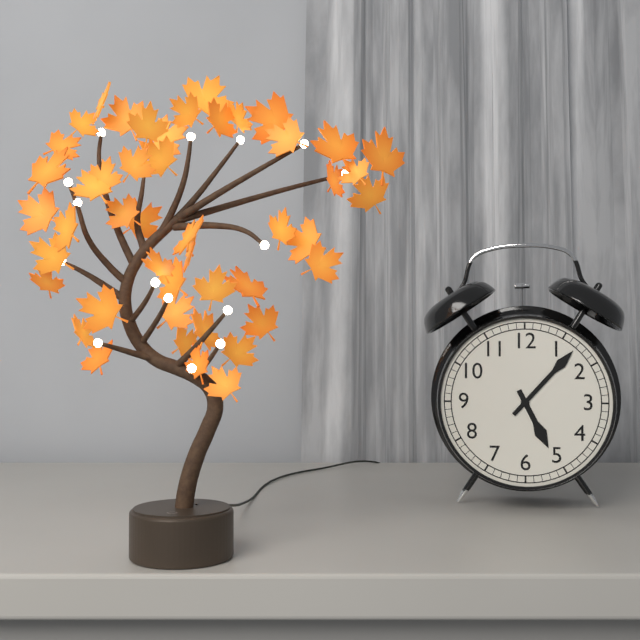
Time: {"hour": 5, "minute": 7}
